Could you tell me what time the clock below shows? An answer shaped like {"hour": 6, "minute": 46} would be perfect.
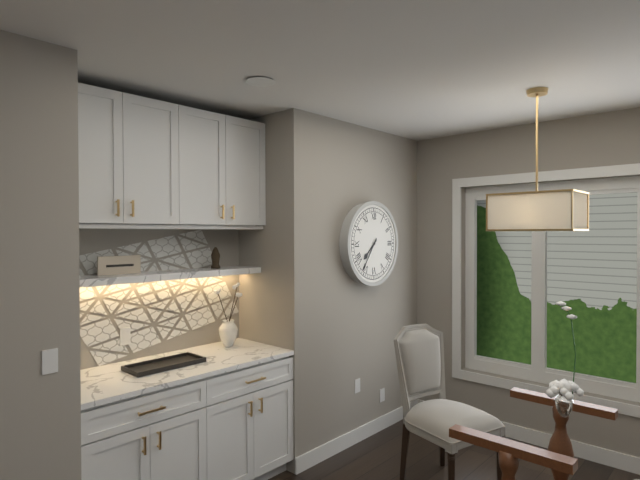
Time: {"hour": 7, "minute": 36}
